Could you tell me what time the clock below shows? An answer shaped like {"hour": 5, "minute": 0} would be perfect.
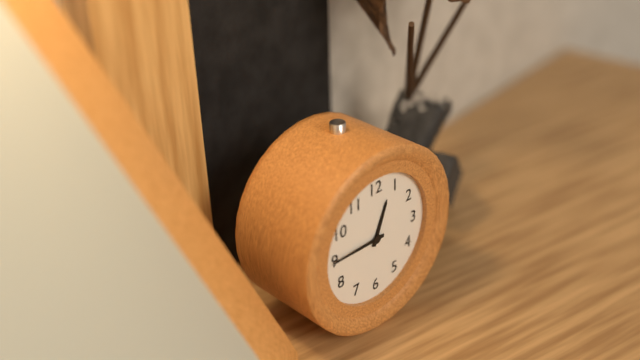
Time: {"hour": 12, "minute": 45}
